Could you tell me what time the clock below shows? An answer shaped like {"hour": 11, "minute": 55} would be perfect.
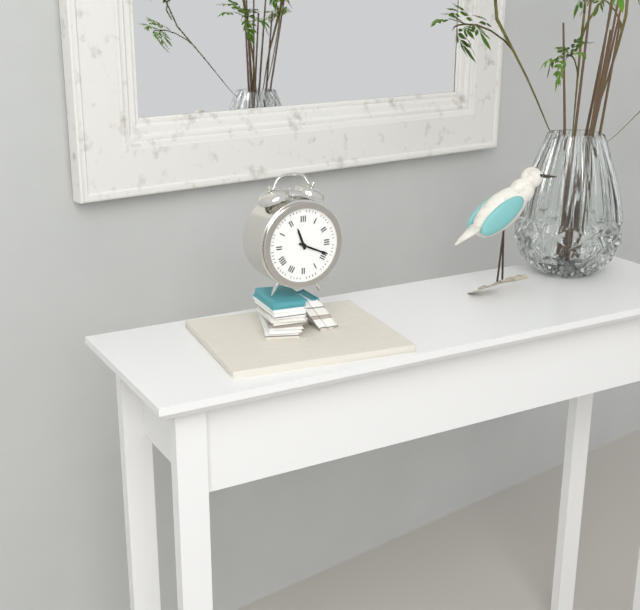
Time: {"hour": 11, "minute": 19}
